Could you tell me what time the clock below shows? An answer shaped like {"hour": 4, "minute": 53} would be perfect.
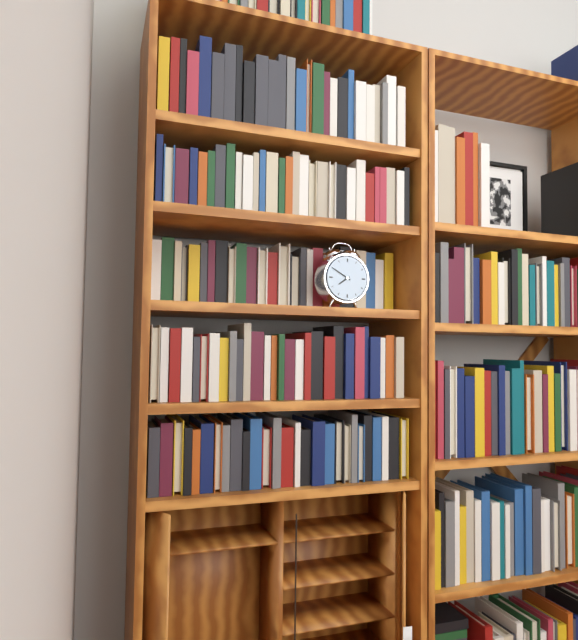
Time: {"hour": 7, "minute": 50}
